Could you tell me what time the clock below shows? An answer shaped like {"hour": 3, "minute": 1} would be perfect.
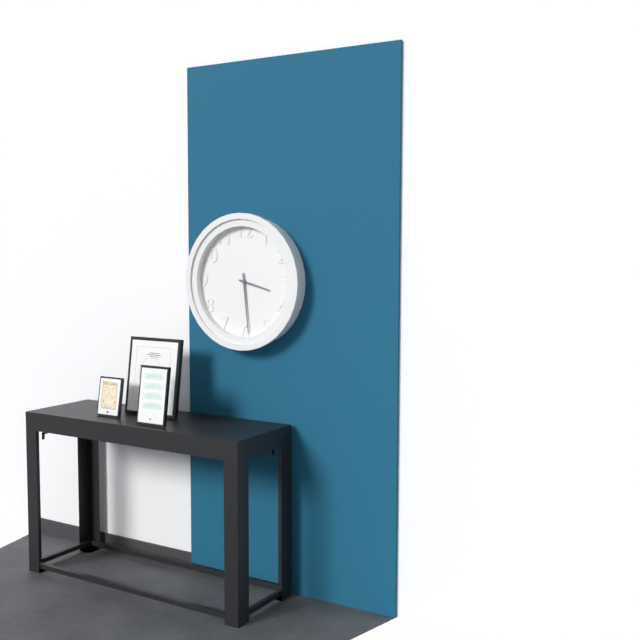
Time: {"hour": 3, "minute": 29}
